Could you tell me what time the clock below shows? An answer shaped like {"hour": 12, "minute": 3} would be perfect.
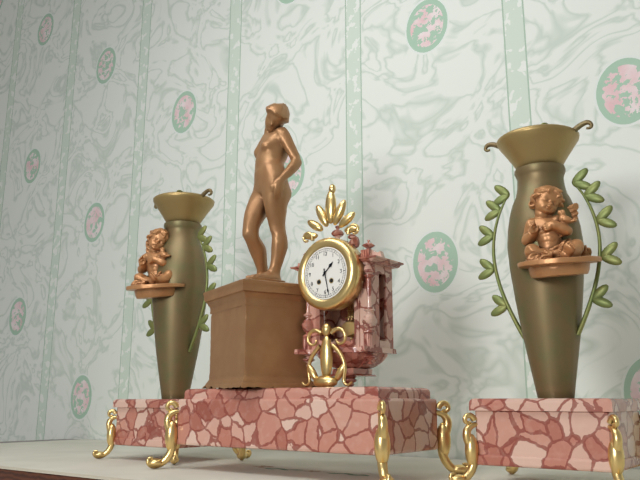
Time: {"hour": 1, "minute": 28}
